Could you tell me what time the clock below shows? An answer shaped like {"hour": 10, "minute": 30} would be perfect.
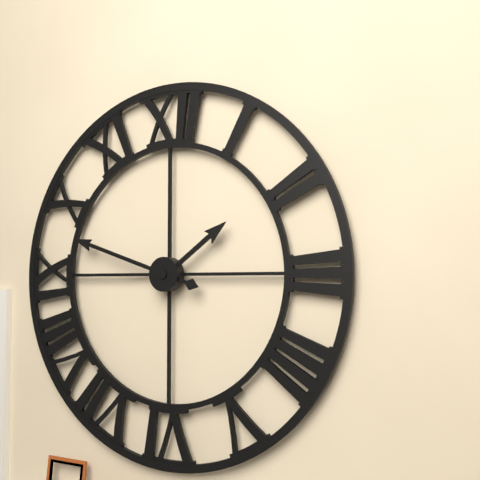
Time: {"hour": 1, "minute": 48}
